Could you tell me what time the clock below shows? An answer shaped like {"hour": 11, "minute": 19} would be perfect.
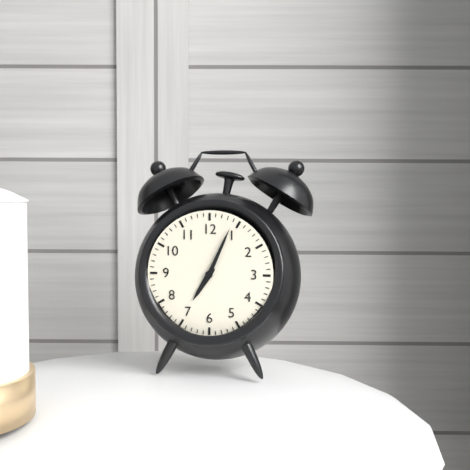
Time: {"hour": 7, "minute": 4}
